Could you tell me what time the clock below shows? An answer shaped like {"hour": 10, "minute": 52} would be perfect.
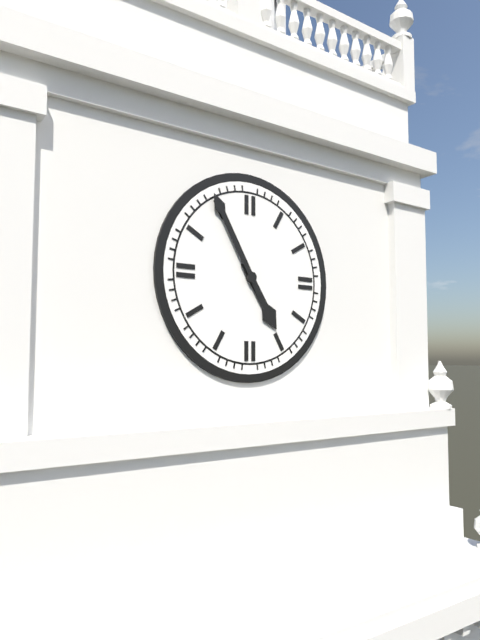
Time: {"hour": 4, "minute": 55}
